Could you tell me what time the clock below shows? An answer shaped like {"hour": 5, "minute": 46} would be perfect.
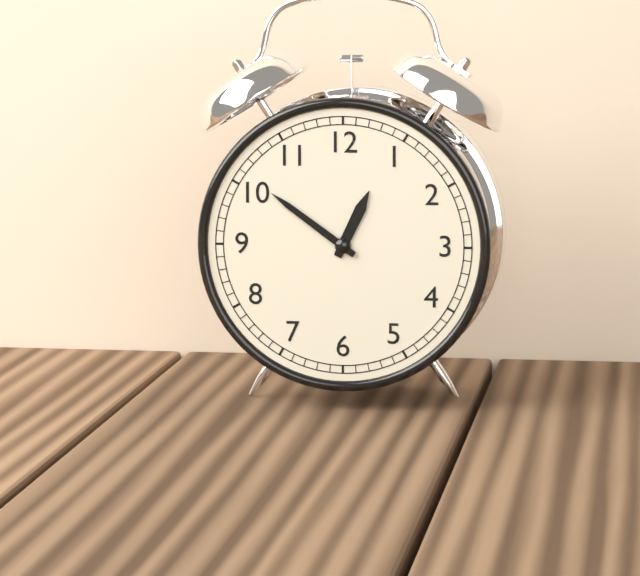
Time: {"hour": 12, "minute": 51}
